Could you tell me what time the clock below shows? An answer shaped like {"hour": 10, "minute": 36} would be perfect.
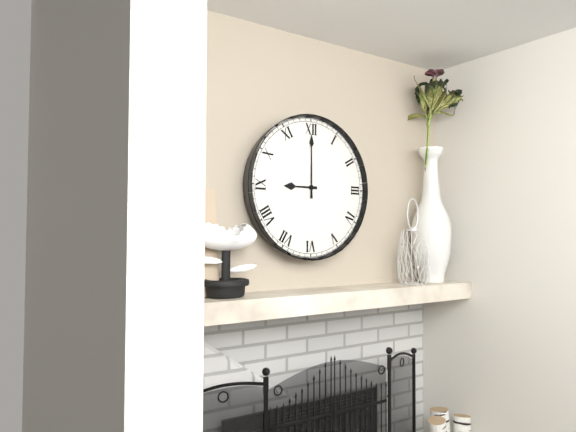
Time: {"hour": 9, "minute": 0}
